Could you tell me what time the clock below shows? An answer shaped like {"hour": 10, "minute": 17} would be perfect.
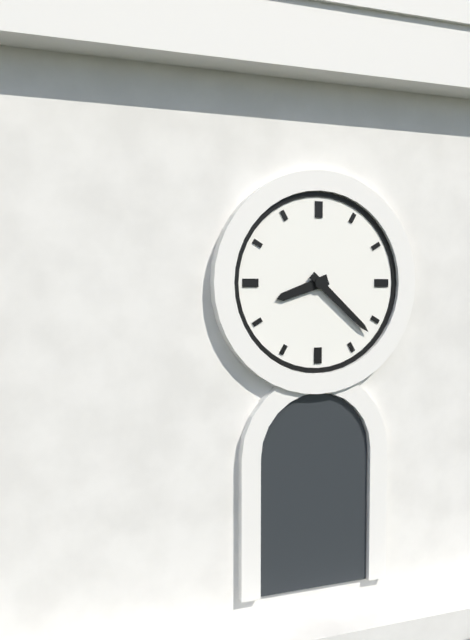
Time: {"hour": 8, "minute": 22}
